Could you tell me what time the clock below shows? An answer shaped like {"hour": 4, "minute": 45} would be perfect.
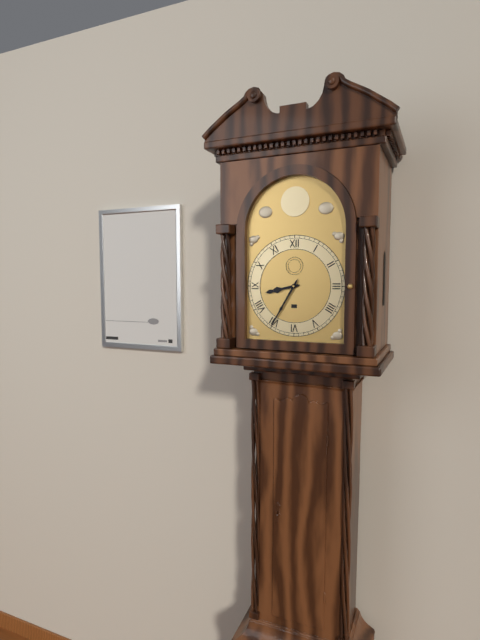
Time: {"hour": 8, "minute": 35}
